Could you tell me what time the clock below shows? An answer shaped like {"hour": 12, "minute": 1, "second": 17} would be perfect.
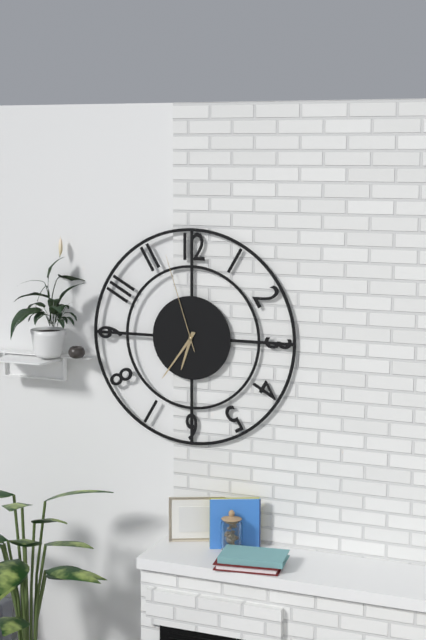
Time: {"hour": 6, "minute": 36, "second": 57}
